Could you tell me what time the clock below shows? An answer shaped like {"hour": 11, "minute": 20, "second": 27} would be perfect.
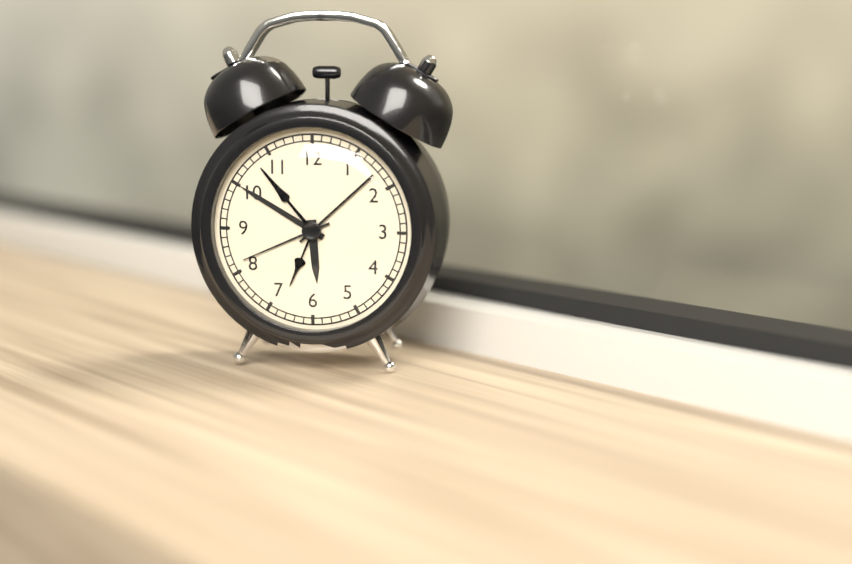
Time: {"hour": 5, "minute": 50, "second": 41}
